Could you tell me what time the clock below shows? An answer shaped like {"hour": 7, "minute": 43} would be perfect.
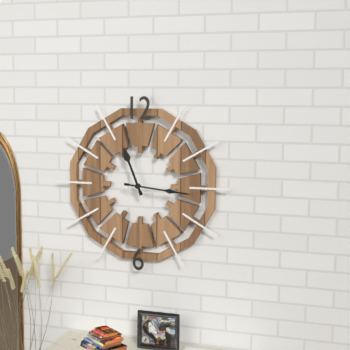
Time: {"hour": 11, "minute": 16}
